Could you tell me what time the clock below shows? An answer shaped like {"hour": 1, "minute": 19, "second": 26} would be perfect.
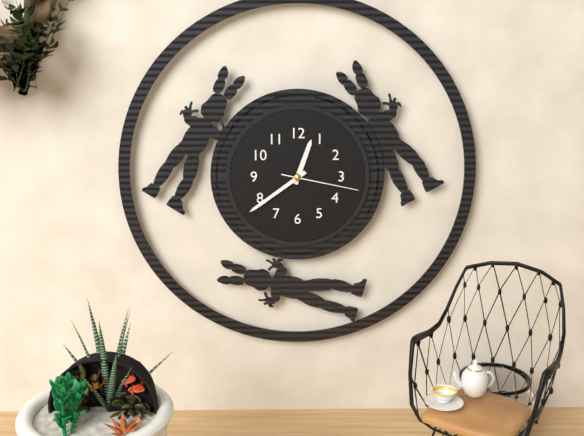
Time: {"hour": 12, "minute": 39, "second": 17}
